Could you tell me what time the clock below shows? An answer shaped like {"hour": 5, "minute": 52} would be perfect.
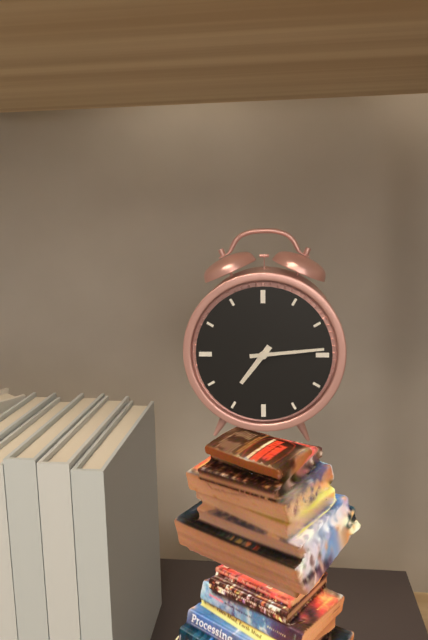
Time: {"hour": 7, "minute": 14}
